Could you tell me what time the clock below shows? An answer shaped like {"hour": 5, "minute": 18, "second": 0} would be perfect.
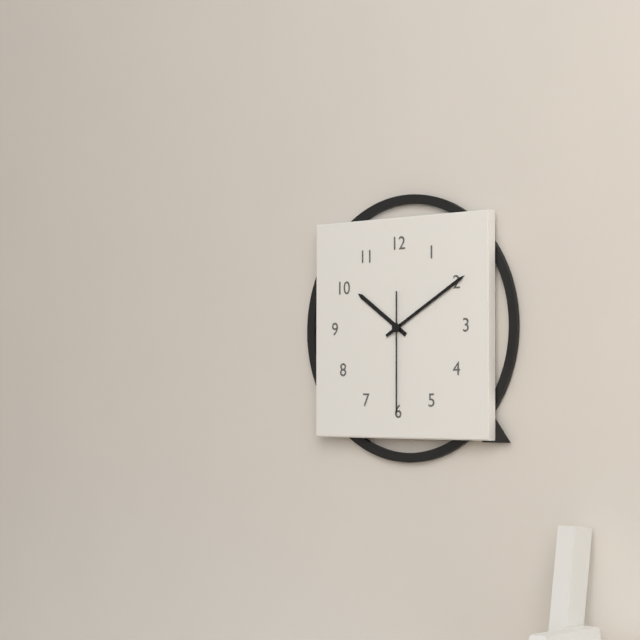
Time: {"hour": 10, "minute": 10, "second": 30}
